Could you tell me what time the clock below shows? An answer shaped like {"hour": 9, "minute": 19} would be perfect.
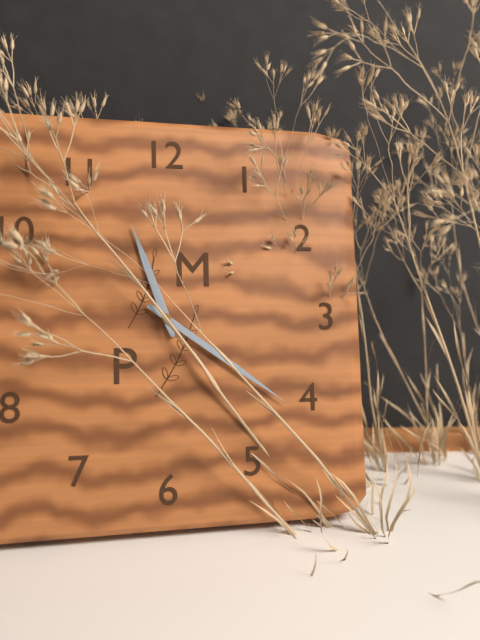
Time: {"hour": 11, "minute": 21}
